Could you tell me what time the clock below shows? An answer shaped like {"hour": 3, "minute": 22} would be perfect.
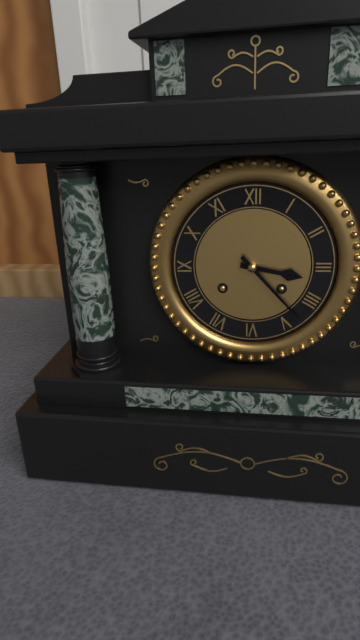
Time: {"hour": 3, "minute": 23}
